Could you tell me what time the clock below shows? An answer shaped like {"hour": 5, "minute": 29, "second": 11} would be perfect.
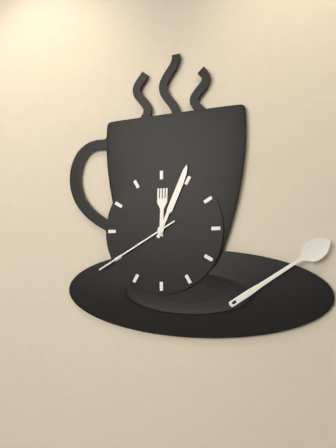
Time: {"hour": 12, "minute": 4, "second": 40}
